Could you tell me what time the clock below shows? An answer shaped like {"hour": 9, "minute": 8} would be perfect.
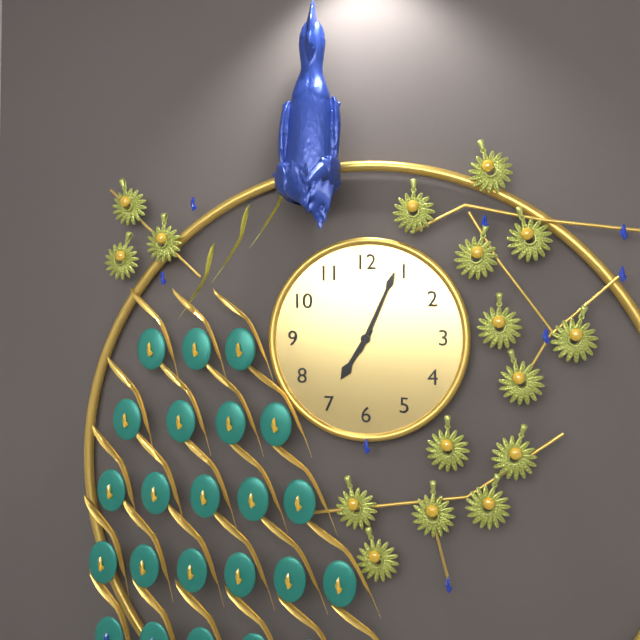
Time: {"hour": 7, "minute": 4}
